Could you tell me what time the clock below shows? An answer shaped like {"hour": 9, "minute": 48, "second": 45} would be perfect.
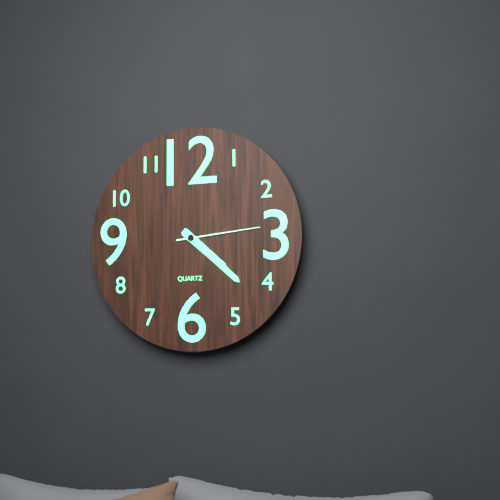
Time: {"hour": 4, "minute": 22, "second": 14}
